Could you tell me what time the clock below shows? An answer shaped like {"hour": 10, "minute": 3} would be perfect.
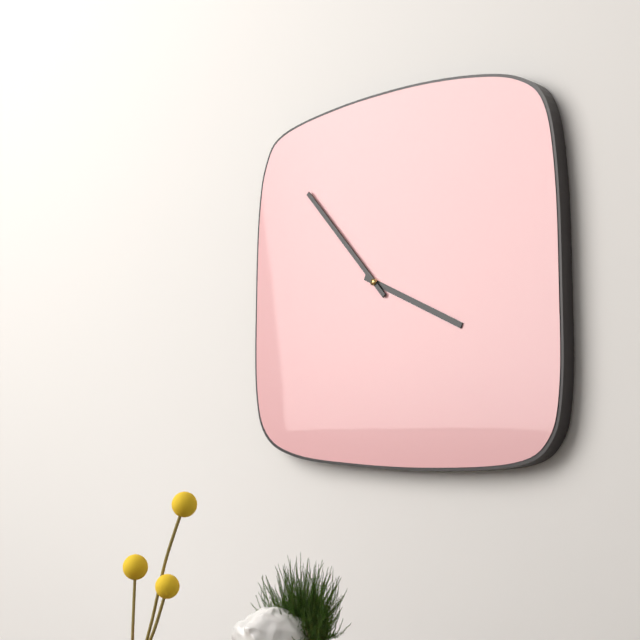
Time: {"hour": 3, "minute": 53}
